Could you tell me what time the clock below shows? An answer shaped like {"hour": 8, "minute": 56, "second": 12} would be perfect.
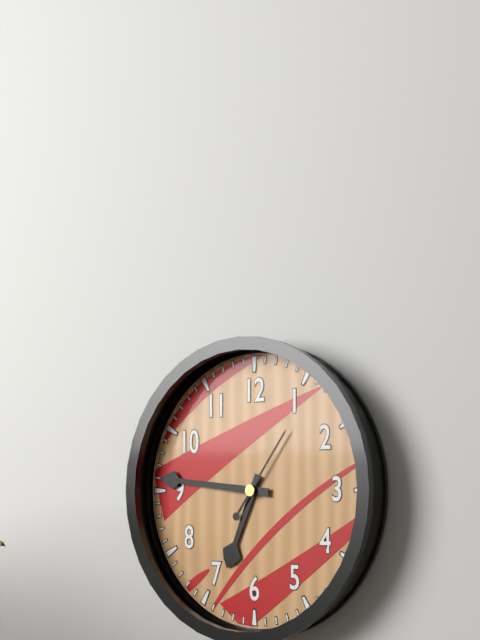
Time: {"hour": 6, "minute": 46, "second": 6}
